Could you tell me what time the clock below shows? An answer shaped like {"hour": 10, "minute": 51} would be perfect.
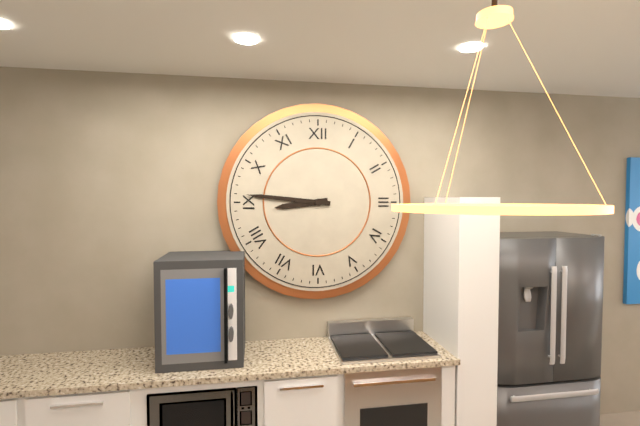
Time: {"hour": 8, "minute": 46}
